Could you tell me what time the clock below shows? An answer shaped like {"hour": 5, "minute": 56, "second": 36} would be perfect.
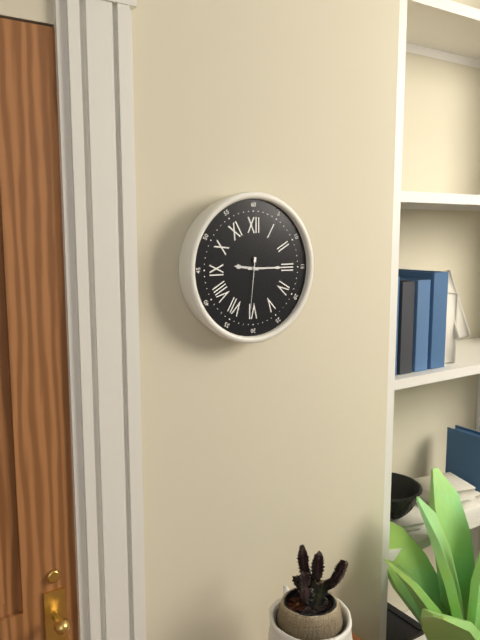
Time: {"hour": 9, "minute": 15, "second": 31}
